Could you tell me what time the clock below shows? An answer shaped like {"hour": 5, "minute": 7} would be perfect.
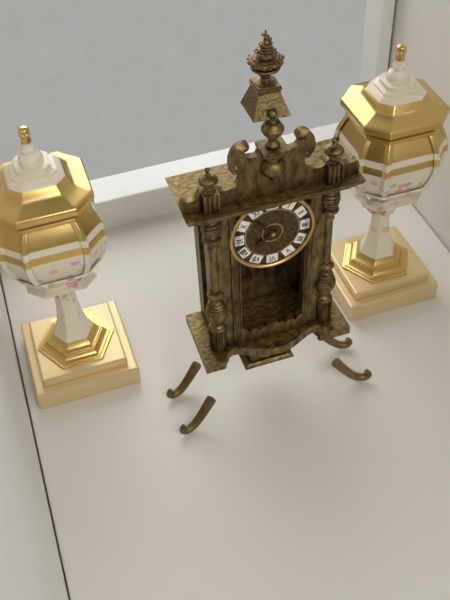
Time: {"hour": 7, "minute": 53}
